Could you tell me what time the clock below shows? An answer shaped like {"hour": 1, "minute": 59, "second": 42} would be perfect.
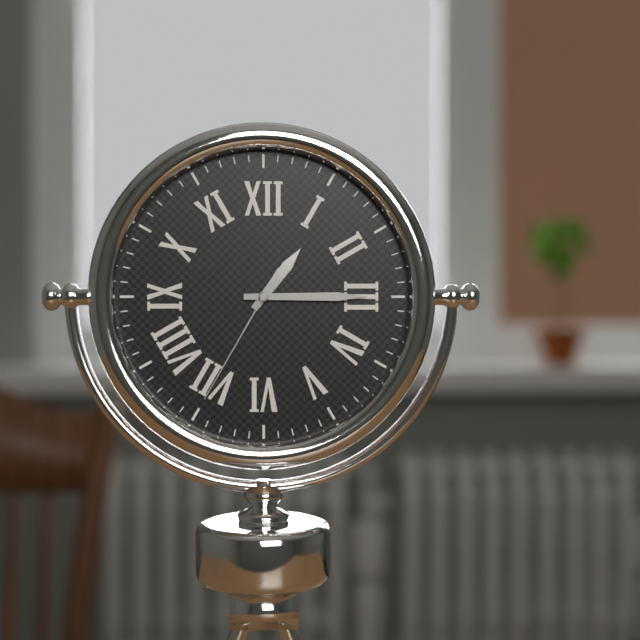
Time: {"hour": 1, "minute": 15, "second": 35}
